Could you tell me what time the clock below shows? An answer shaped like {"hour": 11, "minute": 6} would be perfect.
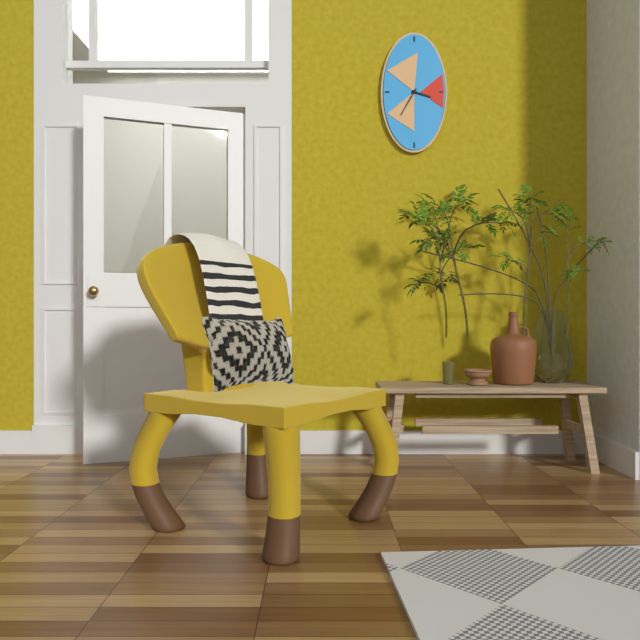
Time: {"hour": 3, "minute": 35}
